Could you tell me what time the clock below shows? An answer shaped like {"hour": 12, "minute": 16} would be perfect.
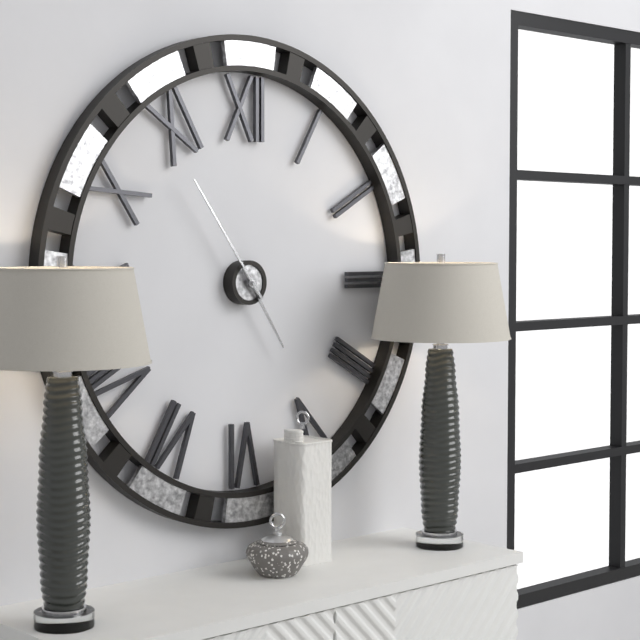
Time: {"hour": 4, "minute": 54}
